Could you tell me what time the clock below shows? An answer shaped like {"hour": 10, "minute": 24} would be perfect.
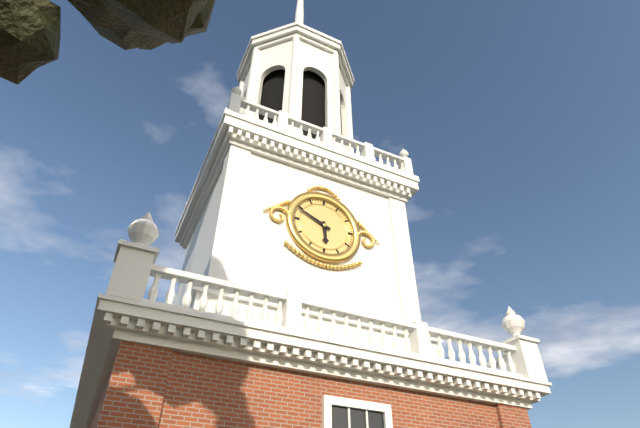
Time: {"hour": 5, "minute": 49}
